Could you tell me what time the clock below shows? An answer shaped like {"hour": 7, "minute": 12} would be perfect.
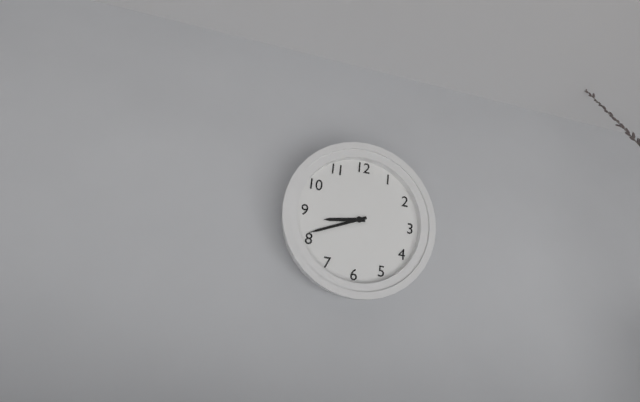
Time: {"hour": 8, "minute": 41}
